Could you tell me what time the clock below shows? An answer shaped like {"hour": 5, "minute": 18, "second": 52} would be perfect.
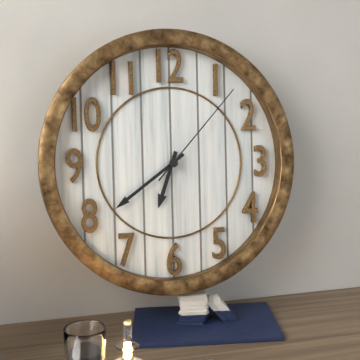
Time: {"hour": 6, "minute": 39, "second": 7}
